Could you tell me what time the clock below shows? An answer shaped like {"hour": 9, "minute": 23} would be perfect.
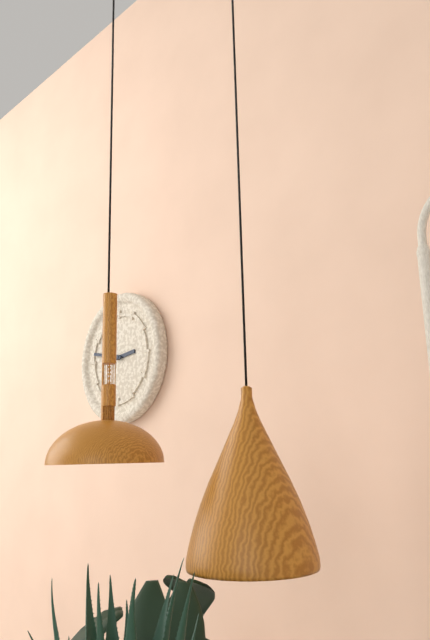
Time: {"hour": 2, "minute": 47}
